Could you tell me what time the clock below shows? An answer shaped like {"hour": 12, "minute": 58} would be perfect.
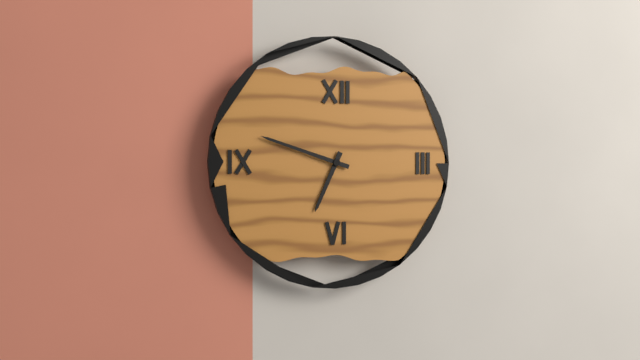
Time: {"hour": 6, "minute": 48}
